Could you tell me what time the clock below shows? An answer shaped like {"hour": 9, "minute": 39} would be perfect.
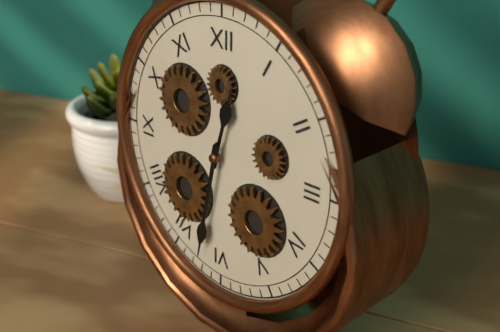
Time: {"hour": 12, "minute": 32}
